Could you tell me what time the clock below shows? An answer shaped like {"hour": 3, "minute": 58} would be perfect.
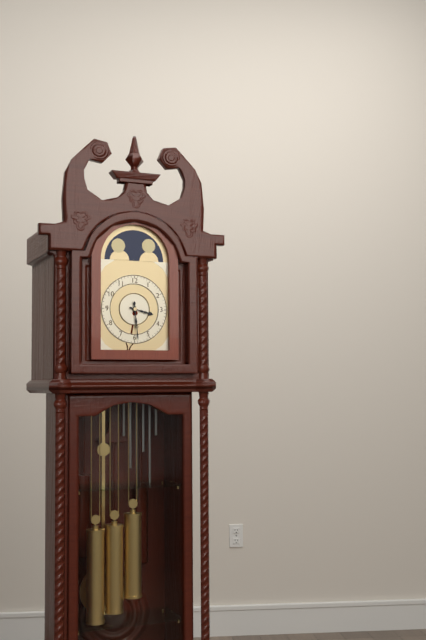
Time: {"hour": 3, "minute": 29}
